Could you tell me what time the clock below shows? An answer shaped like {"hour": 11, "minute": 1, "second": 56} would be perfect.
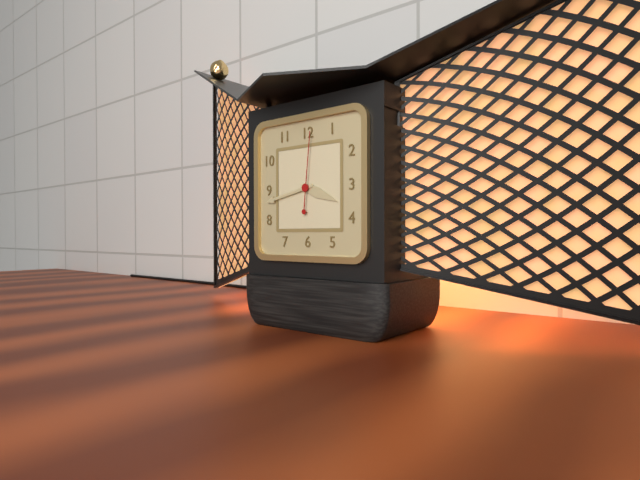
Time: {"hour": 3, "minute": 43, "second": 1}
